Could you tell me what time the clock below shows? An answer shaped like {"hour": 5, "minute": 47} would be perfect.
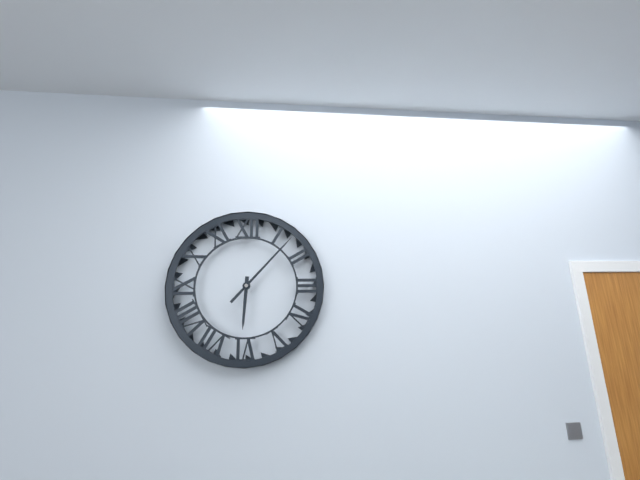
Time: {"hour": 6, "minute": 7}
